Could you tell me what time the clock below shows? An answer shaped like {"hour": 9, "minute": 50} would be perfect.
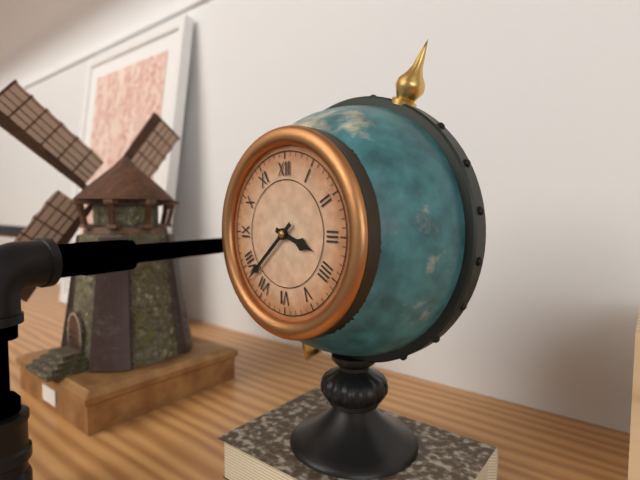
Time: {"hour": 3, "minute": 38}
